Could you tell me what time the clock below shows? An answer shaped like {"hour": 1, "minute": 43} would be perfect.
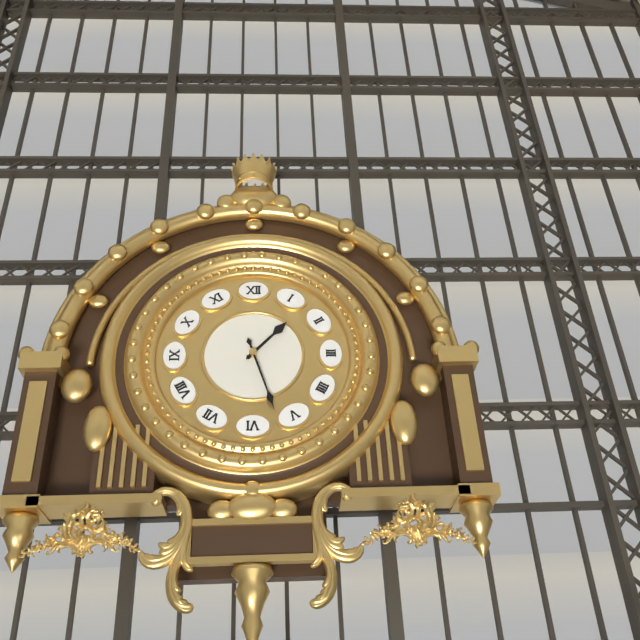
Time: {"hour": 1, "minute": 27}
